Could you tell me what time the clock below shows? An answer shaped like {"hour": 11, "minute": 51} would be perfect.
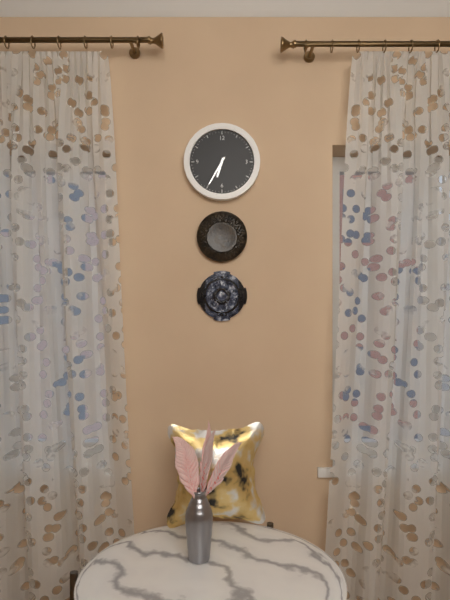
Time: {"hour": 6, "minute": 35}
